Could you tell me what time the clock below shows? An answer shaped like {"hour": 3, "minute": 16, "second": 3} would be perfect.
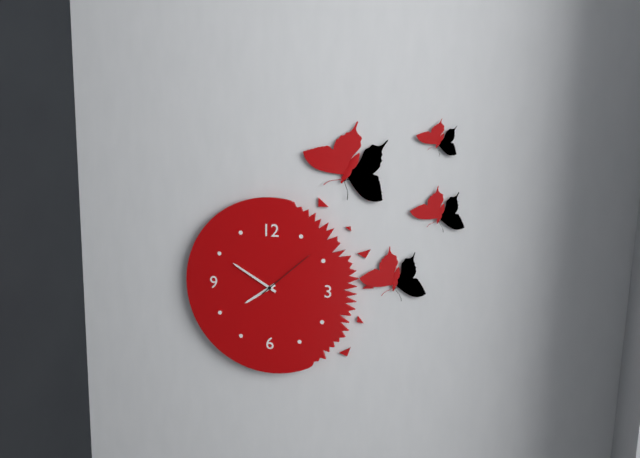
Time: {"hour": 7, "minute": 50, "second": 8}
